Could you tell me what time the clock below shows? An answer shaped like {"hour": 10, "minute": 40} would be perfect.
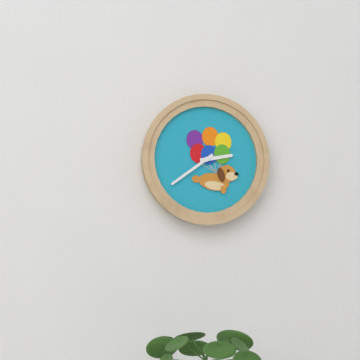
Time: {"hour": 2, "minute": 39}
